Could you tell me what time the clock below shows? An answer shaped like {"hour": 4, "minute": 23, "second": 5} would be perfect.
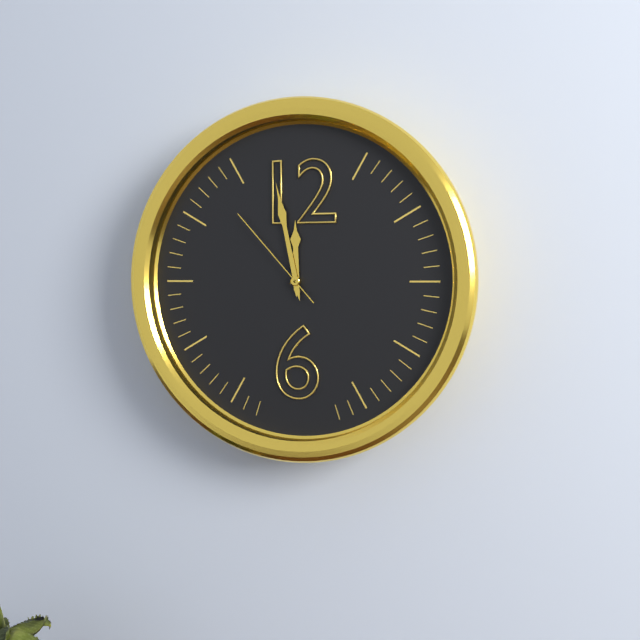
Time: {"hour": 11, "minute": 58, "second": 53}
